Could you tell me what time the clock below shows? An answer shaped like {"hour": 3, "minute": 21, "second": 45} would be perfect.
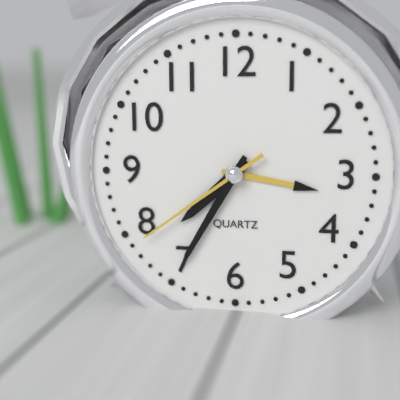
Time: {"hour": 7, "minute": 35, "second": 39}
